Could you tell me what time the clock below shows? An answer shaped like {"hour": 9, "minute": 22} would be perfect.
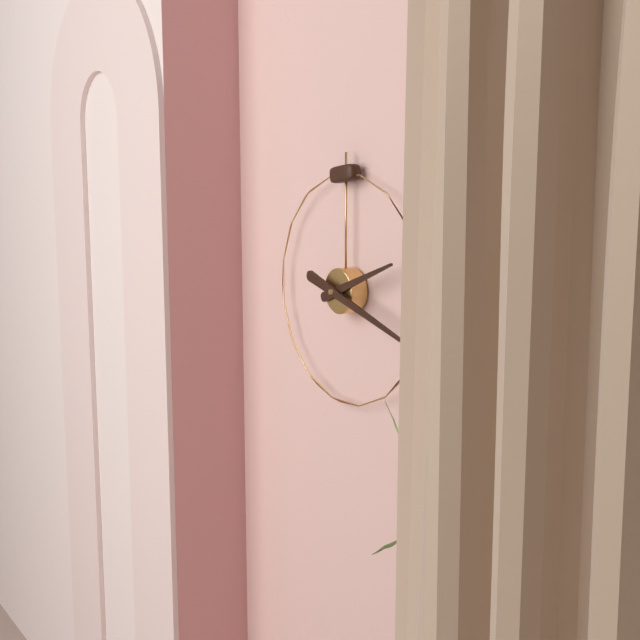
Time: {"hour": 2, "minute": 18}
